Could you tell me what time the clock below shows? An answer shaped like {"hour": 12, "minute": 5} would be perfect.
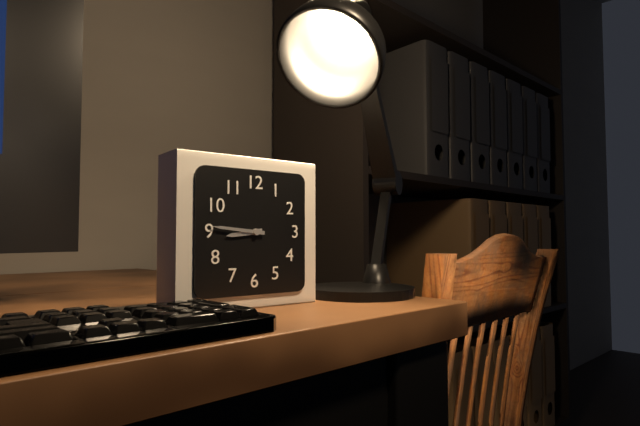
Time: {"hour": 8, "minute": 46}
